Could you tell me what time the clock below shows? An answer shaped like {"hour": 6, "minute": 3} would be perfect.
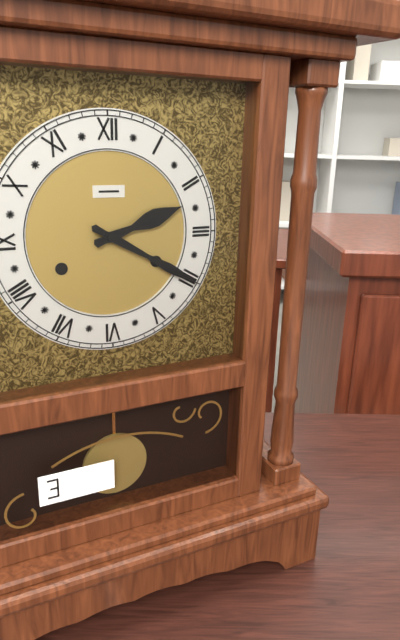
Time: {"hour": 2, "minute": 20}
